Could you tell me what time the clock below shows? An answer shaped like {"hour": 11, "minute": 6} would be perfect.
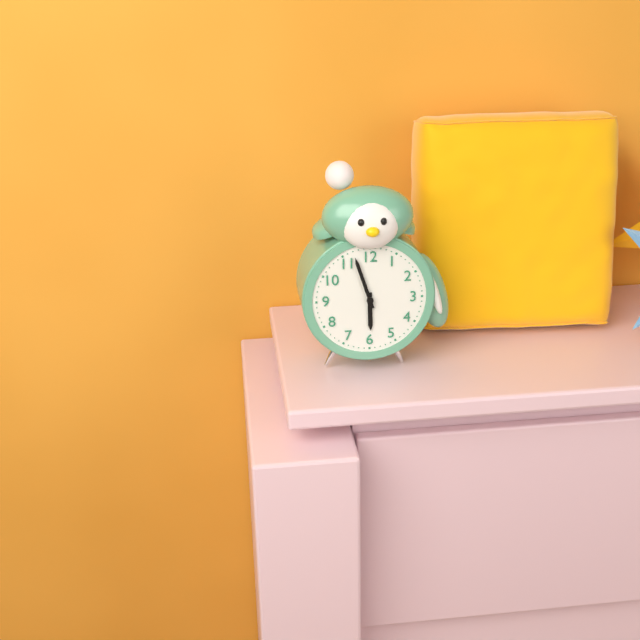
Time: {"hour": 5, "minute": 57}
